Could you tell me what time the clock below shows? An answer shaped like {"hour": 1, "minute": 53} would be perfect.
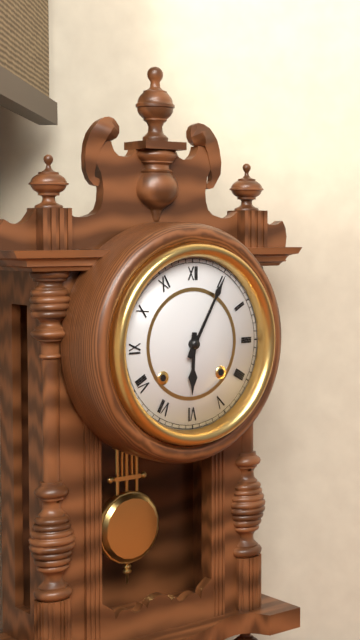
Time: {"hour": 6, "minute": 5}
